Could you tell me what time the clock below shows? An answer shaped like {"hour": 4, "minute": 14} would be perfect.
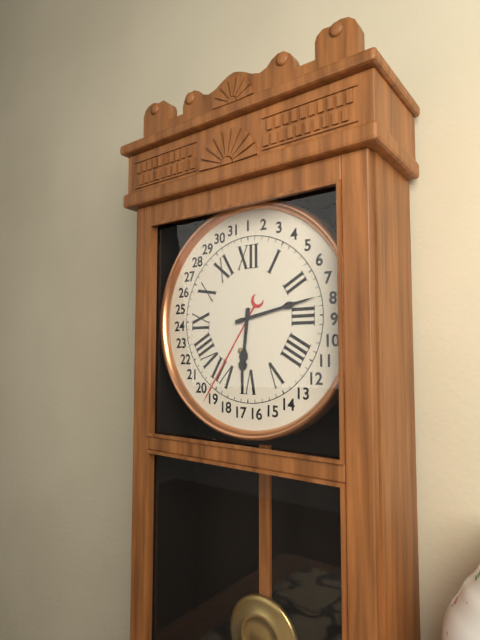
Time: {"hour": 6, "minute": 13}
